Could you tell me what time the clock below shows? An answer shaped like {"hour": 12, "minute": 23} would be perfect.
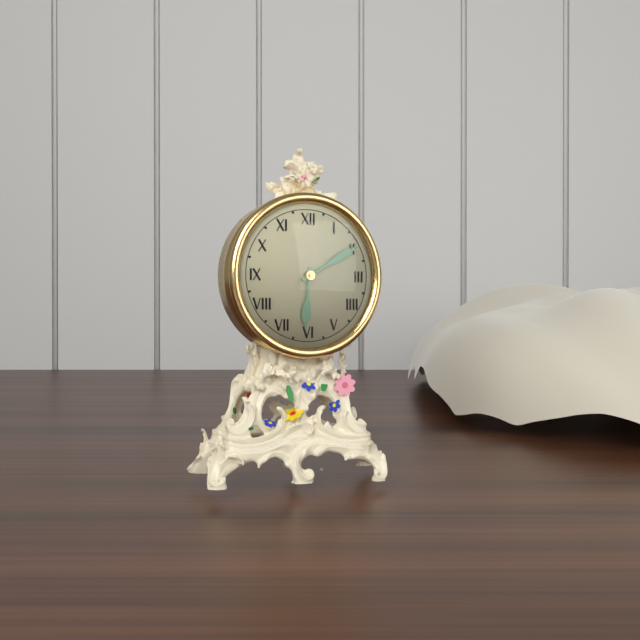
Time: {"hour": 6, "minute": 10}
